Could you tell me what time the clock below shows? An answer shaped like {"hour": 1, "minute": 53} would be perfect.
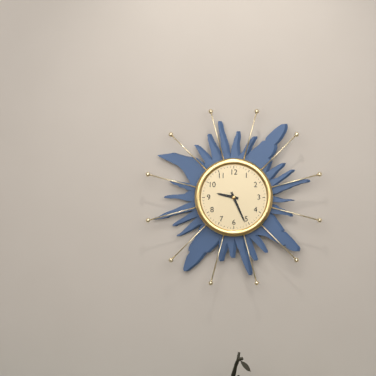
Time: {"hour": 9, "minute": 26}
